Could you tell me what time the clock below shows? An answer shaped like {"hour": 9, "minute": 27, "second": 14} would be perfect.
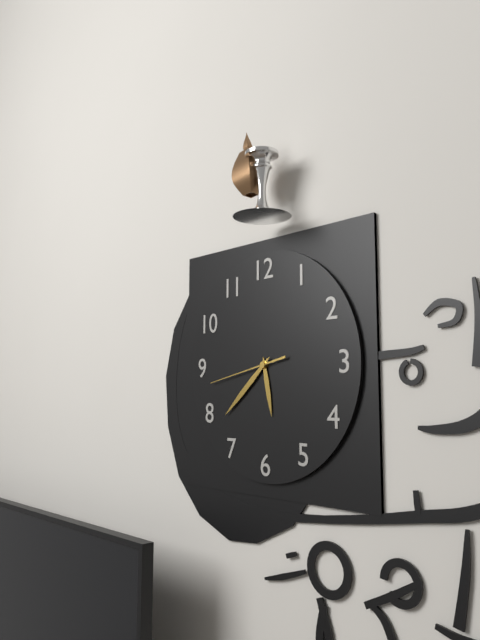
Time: {"hour": 5, "minute": 38, "second": 43}
